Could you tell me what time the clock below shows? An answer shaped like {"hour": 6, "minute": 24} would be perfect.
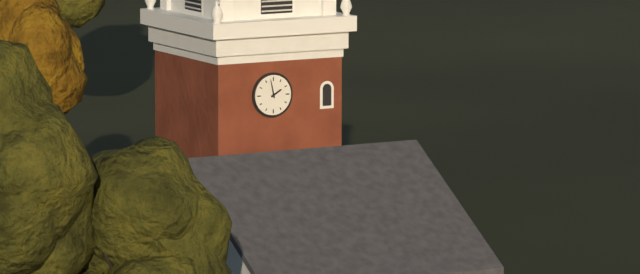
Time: {"hour": 1, "minute": 58}
